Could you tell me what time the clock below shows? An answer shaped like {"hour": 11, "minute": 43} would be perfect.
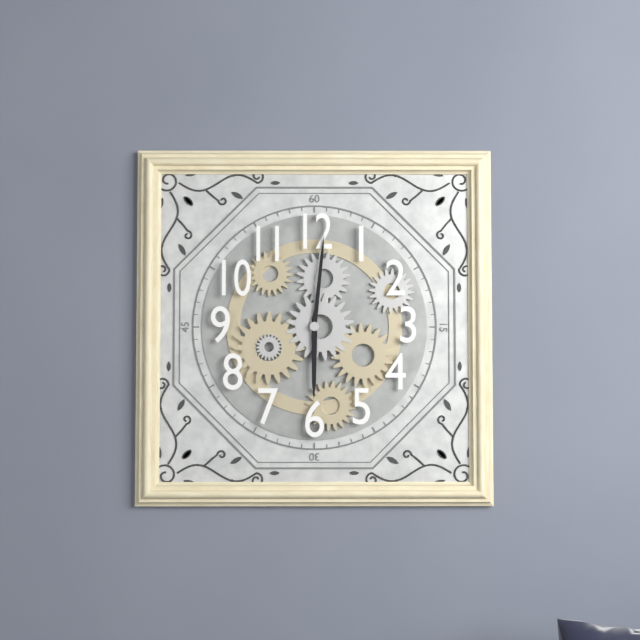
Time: {"hour": 6, "minute": 1}
